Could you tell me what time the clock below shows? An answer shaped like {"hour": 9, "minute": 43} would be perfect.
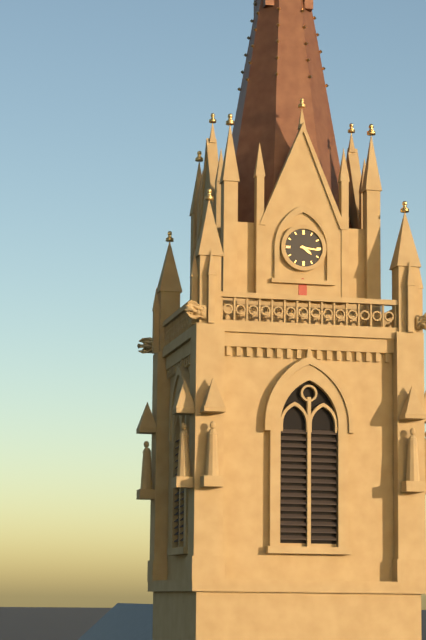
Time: {"hour": 4, "minute": 16}
